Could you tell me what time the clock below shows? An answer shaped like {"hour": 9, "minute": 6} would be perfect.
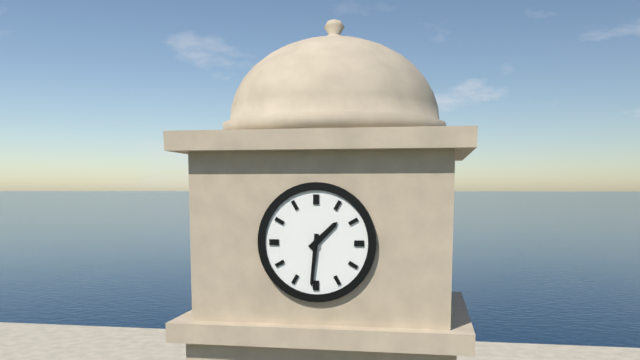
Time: {"hour": 1, "minute": 31}
